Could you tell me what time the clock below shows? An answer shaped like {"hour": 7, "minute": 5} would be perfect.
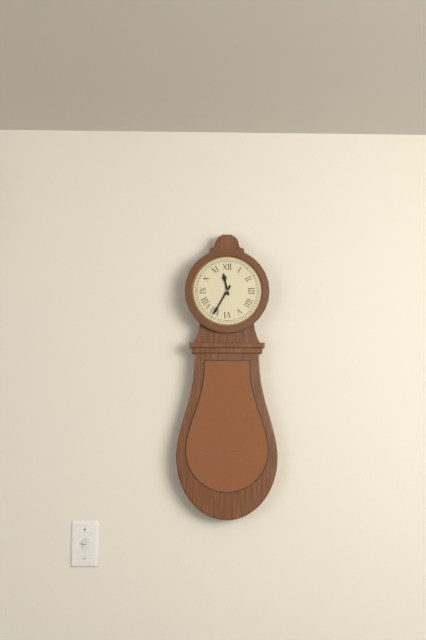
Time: {"hour": 11, "minute": 35}
